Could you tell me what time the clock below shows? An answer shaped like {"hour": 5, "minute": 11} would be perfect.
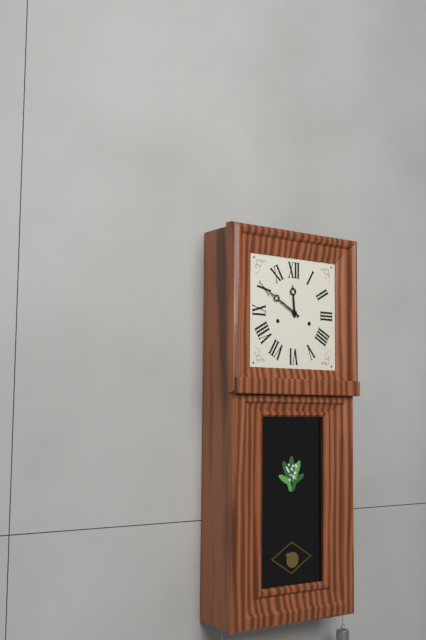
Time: {"hour": 11, "minute": 50}
